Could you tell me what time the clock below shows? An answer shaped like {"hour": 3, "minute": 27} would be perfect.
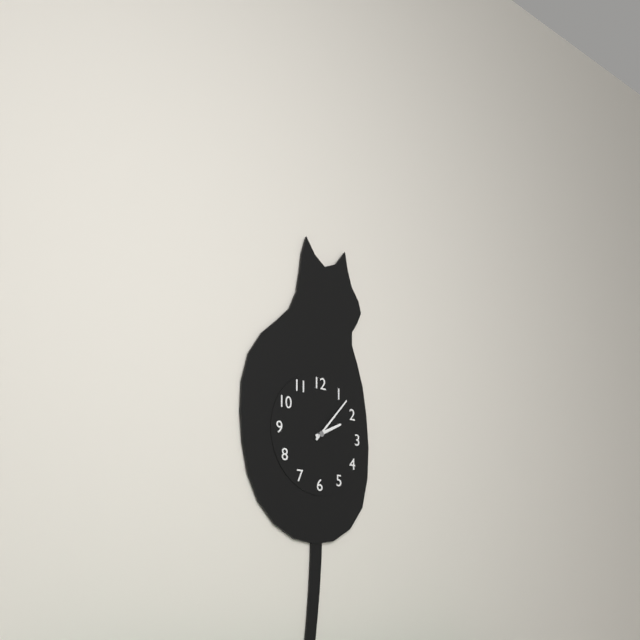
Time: {"hour": 2, "minute": 7}
